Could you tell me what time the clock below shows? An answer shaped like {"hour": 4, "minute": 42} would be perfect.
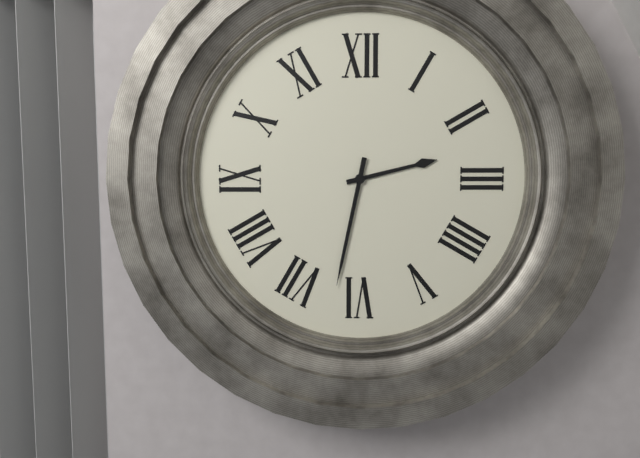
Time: {"hour": 2, "minute": 32}
